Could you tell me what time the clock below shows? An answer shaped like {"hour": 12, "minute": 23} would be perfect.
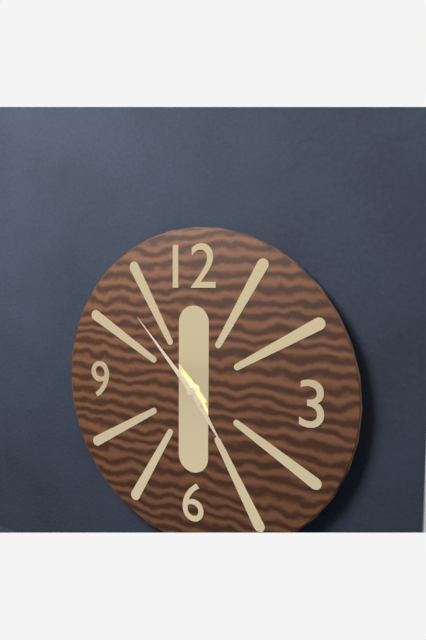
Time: {"hour": 4, "minute": 53}
